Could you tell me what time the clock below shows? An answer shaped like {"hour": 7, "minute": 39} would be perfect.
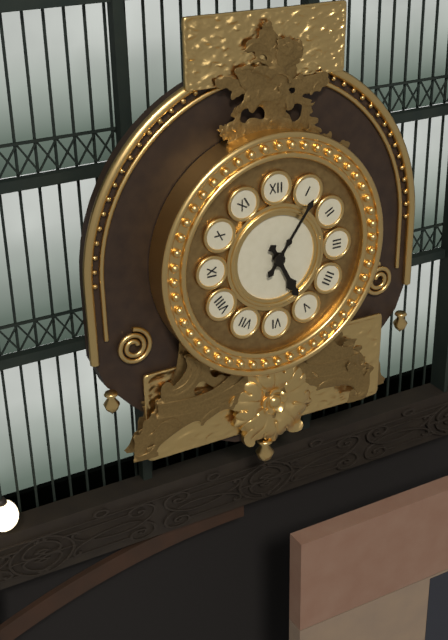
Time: {"hour": 5, "minute": 6}
